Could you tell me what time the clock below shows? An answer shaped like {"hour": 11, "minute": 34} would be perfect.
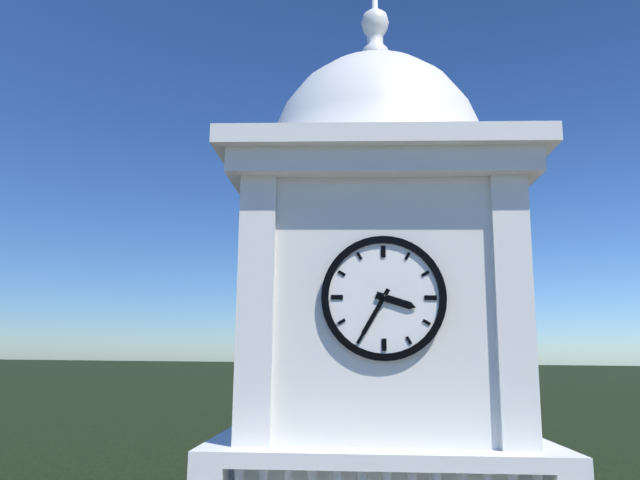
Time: {"hour": 3, "minute": 35}
